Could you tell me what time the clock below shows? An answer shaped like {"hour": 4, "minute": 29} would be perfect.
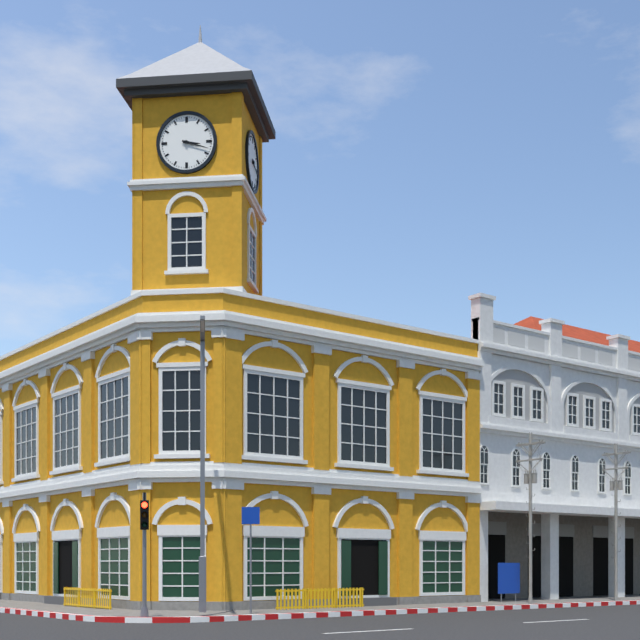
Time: {"hour": 3, "minute": 18}
